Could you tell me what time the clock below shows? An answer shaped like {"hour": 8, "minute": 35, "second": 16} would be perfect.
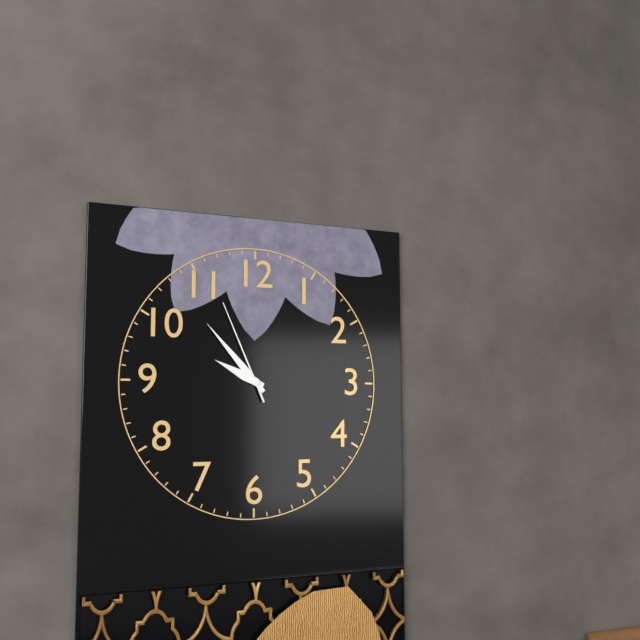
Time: {"hour": 9, "minute": 53, "second": 56}
